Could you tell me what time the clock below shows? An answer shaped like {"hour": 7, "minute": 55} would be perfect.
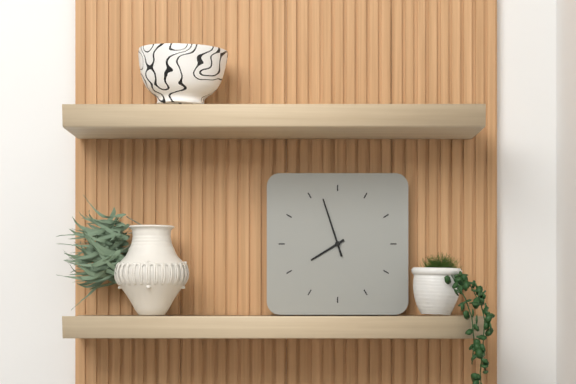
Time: {"hour": 7, "minute": 57}
